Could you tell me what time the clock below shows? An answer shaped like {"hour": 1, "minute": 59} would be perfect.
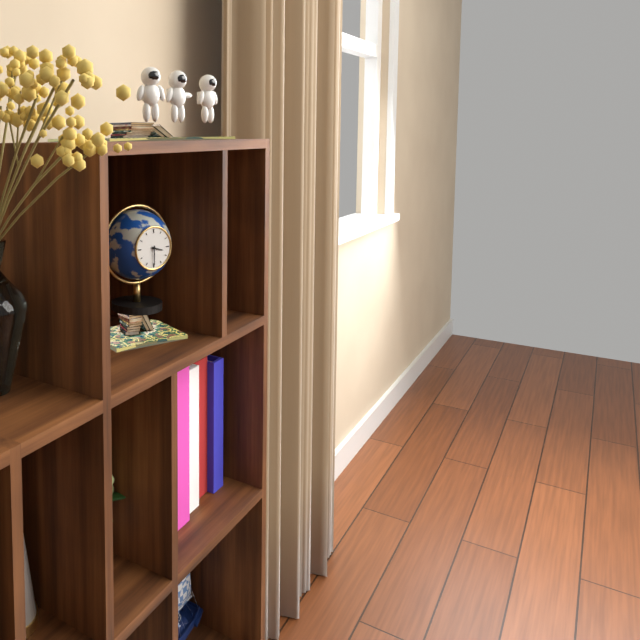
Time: {"hour": 3, "minute": 30}
